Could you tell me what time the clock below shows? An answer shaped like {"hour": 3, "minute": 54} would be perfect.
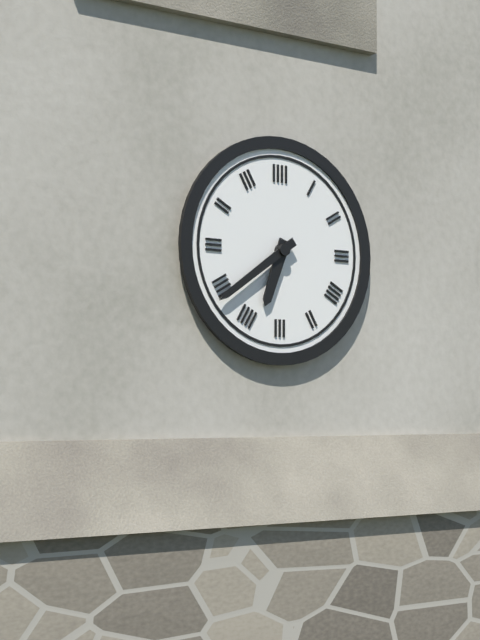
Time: {"hour": 6, "minute": 39}
